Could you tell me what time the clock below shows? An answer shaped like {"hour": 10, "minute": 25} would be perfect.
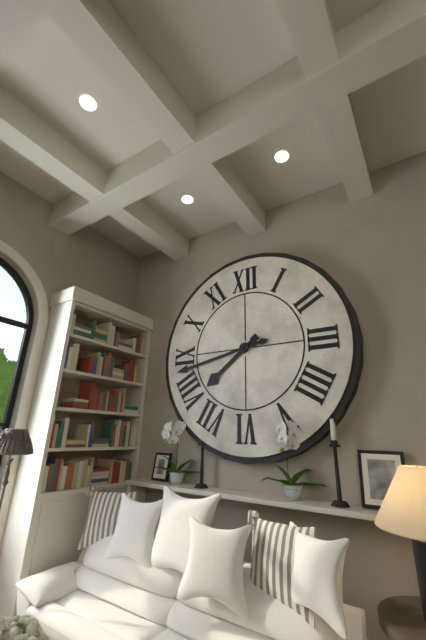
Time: {"hour": 7, "minute": 43}
